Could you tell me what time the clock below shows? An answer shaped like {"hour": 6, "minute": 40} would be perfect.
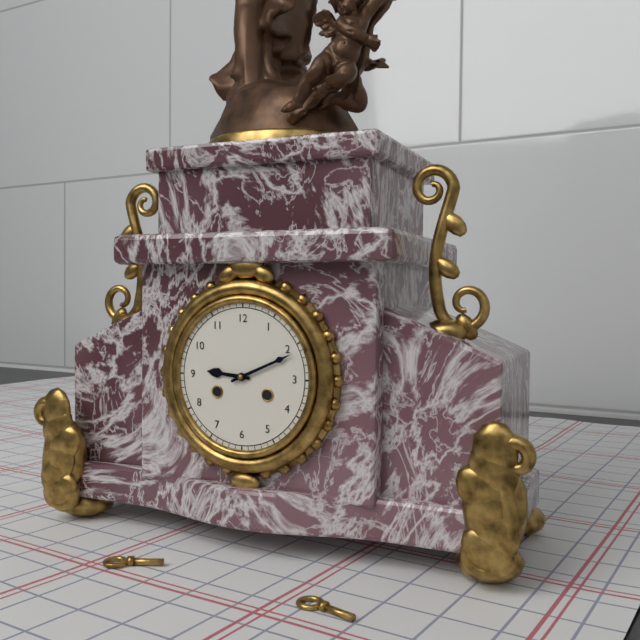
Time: {"hour": 9, "minute": 11}
